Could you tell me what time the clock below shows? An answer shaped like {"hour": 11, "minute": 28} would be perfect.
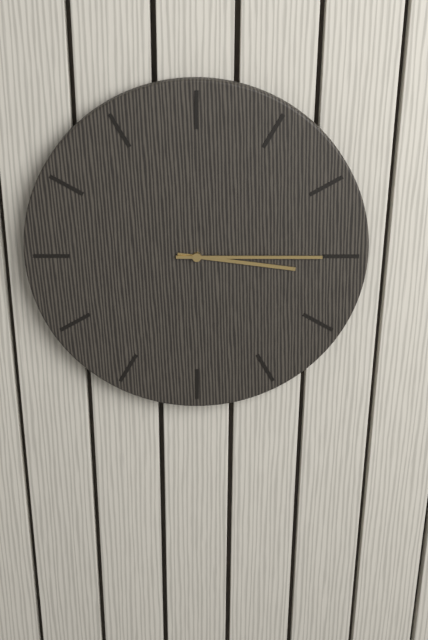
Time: {"hour": 3, "minute": 15}
